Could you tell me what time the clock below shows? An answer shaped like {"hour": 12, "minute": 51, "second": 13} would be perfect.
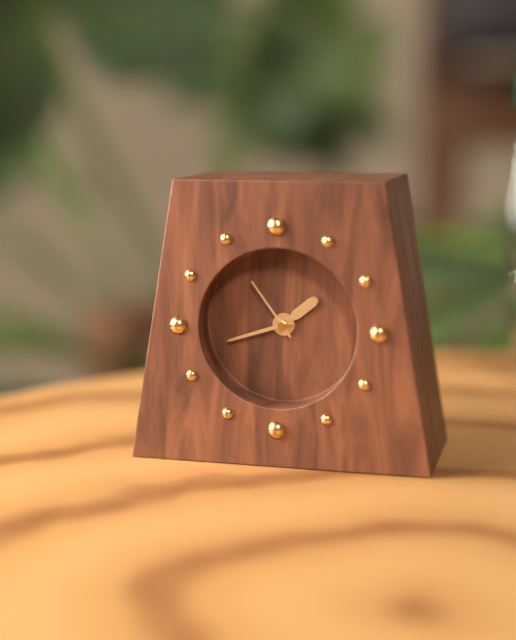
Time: {"hour": 1, "minute": 42, "second": 54}
